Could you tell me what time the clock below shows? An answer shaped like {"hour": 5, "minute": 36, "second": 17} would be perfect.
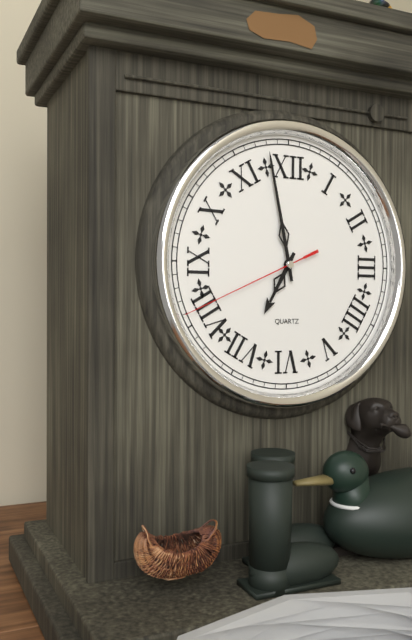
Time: {"hour": 6, "minute": 58, "second": 41}
